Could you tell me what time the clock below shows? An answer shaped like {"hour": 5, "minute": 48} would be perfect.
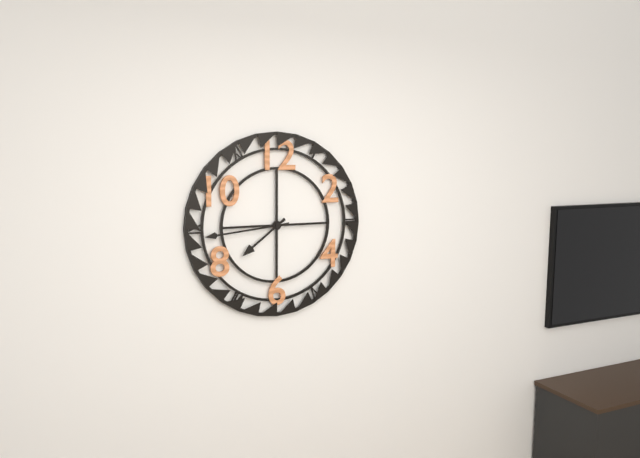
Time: {"hour": 7, "minute": 44}
